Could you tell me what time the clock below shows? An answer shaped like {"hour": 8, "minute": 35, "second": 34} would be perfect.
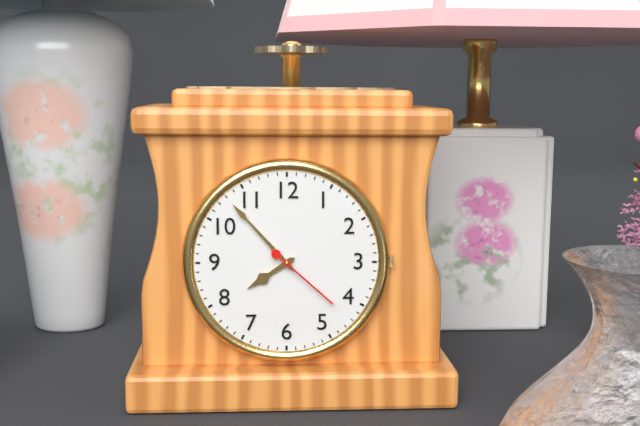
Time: {"hour": 7, "minute": 53, "second": 22}
